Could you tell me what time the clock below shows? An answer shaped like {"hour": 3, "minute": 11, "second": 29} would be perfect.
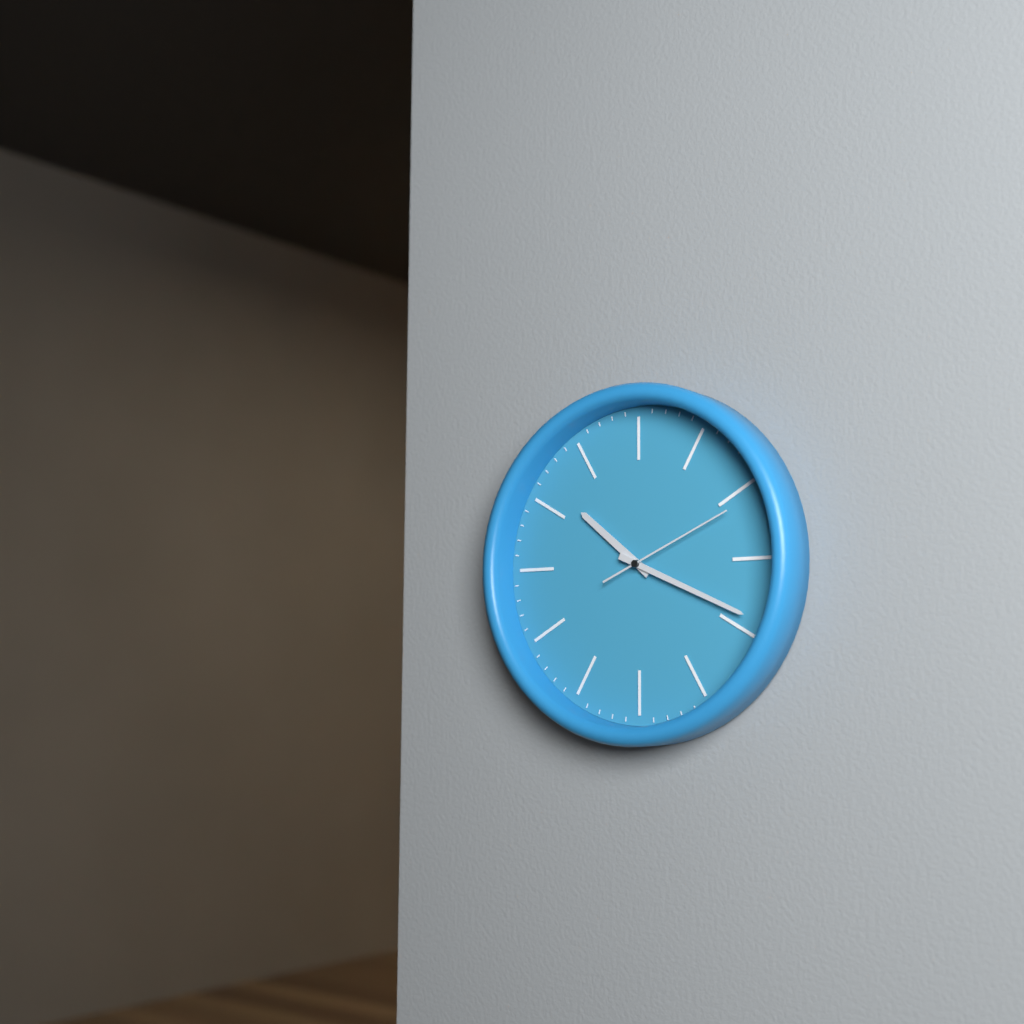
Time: {"hour": 10, "minute": 19, "second": 11}
